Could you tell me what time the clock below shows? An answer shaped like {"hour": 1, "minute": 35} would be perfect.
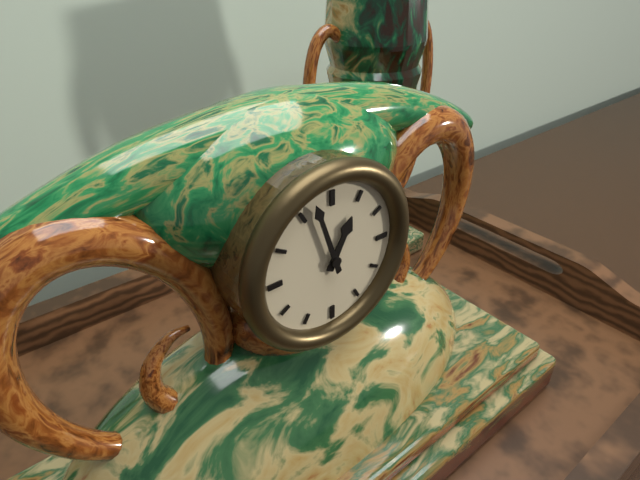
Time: {"hour": 12, "minute": 57}
